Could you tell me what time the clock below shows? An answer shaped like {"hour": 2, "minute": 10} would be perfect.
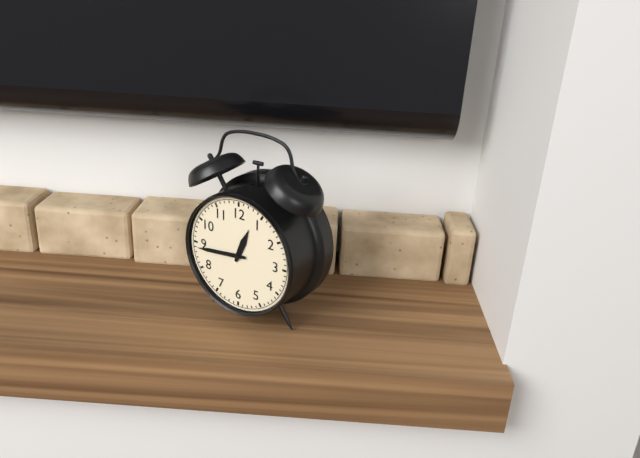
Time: {"hour": 12, "minute": 44}
